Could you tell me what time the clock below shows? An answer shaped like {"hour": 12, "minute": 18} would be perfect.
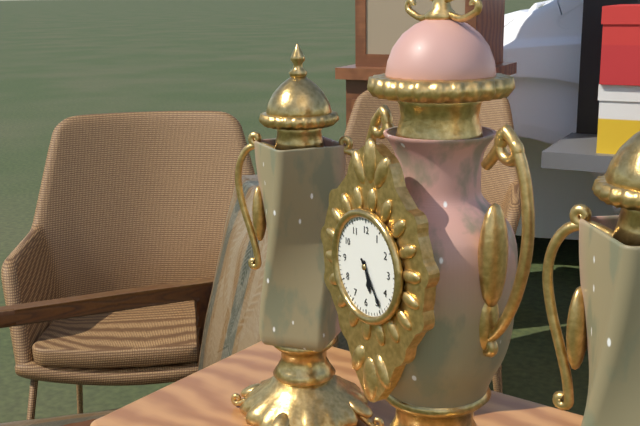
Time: {"hour": 5, "minute": 24}
